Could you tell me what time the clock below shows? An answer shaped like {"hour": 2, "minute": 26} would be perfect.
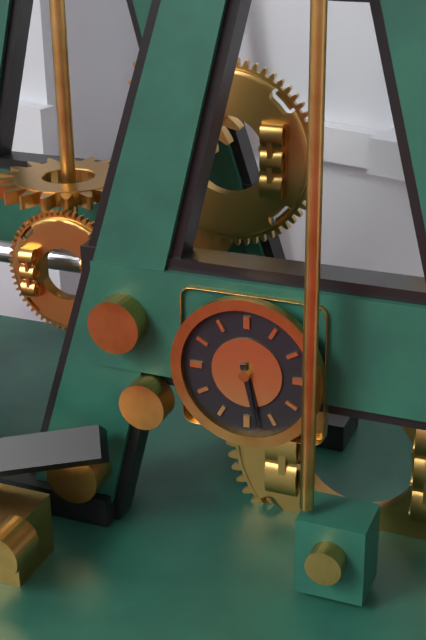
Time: {"hour": 5, "minute": 28}
